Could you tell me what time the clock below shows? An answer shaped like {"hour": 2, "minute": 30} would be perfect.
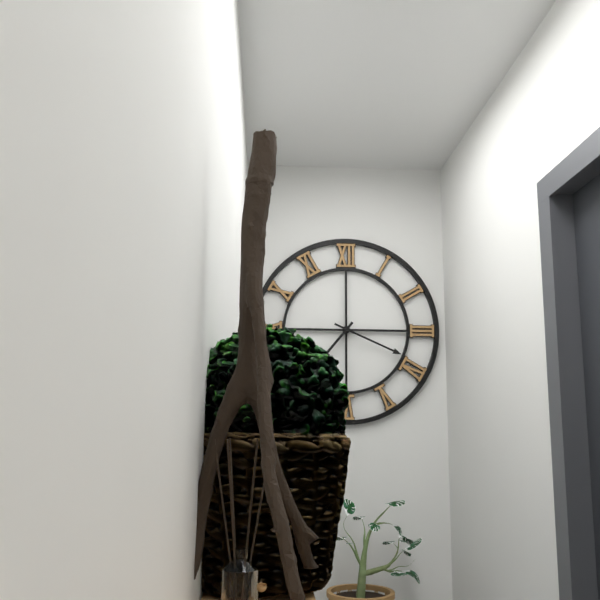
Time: {"hour": 7, "minute": 19}
